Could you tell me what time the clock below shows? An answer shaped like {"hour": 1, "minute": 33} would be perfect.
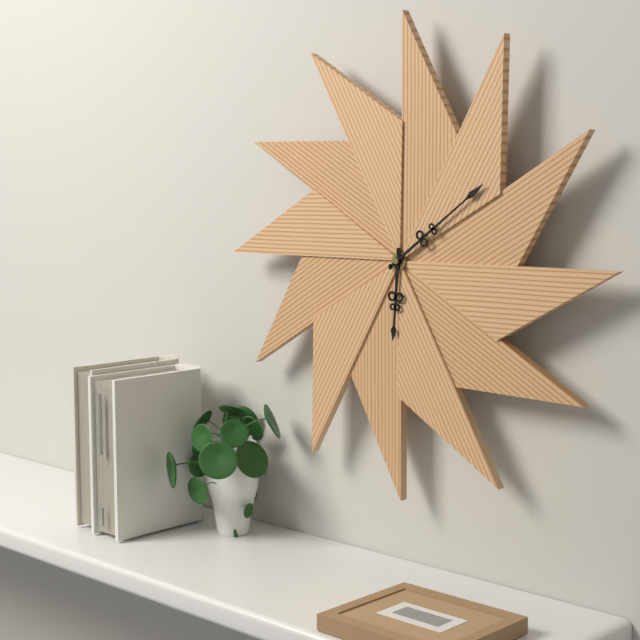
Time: {"hour": 6, "minute": 9}
